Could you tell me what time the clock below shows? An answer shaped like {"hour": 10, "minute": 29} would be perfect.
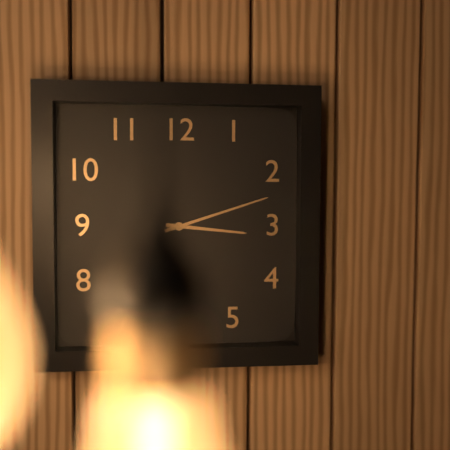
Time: {"hour": 3, "minute": 12}
